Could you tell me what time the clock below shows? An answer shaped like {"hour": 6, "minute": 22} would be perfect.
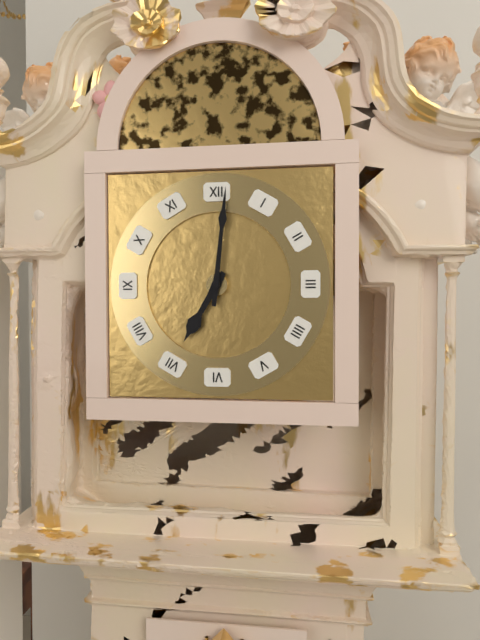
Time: {"hour": 7, "minute": 1}
